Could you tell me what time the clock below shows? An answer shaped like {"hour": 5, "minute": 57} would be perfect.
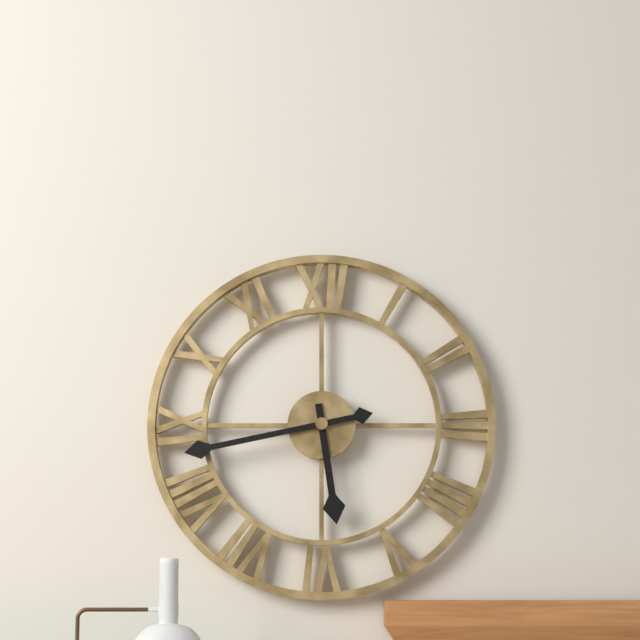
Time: {"hour": 5, "minute": 43}
